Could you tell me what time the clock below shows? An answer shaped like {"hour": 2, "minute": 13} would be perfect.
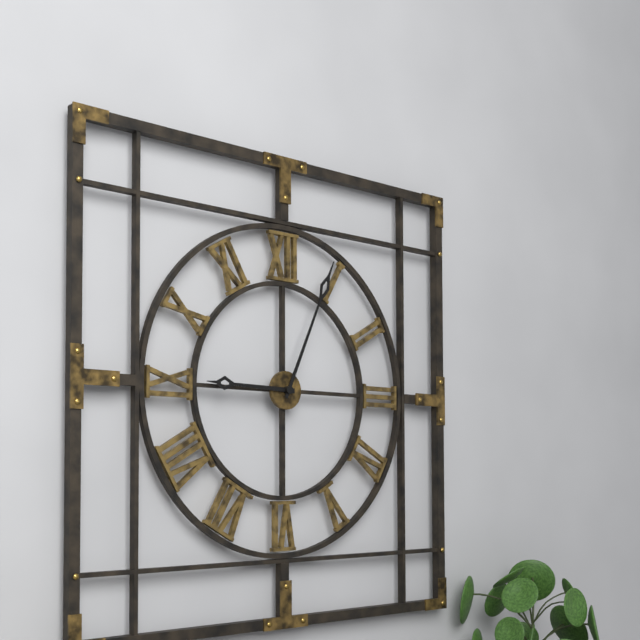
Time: {"hour": 9, "minute": 4}
